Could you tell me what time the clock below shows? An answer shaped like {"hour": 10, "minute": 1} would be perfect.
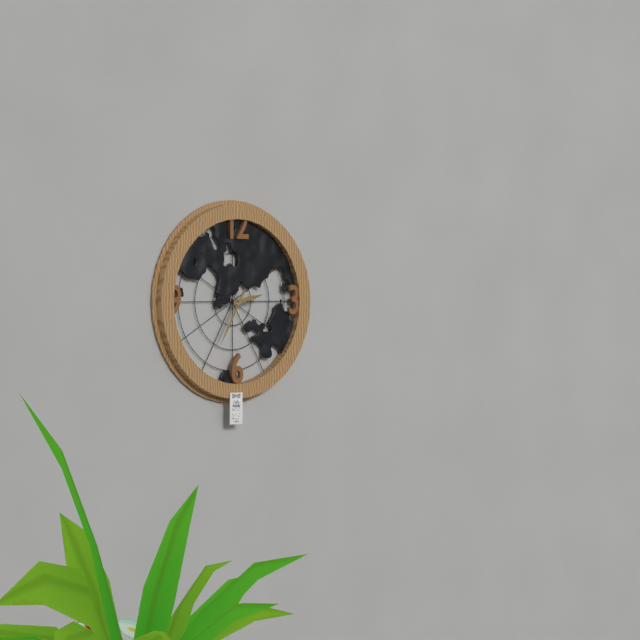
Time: {"hour": 2, "minute": 35}
